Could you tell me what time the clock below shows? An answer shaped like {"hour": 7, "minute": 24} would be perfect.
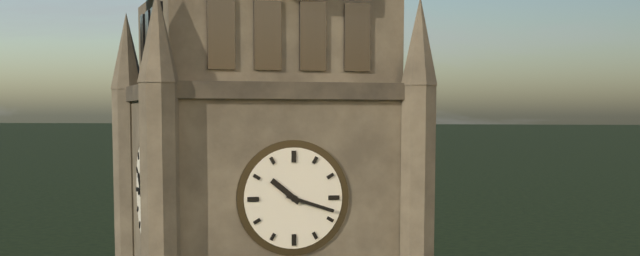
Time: {"hour": 10, "minute": 18}
